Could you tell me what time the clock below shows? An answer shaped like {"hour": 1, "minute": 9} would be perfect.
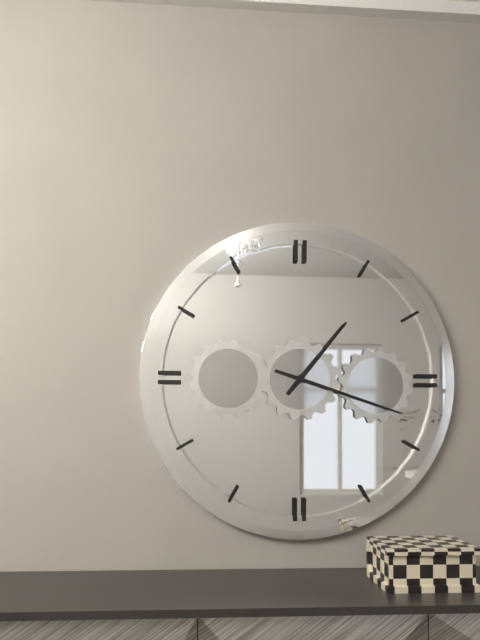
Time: {"hour": 1, "minute": 18}
